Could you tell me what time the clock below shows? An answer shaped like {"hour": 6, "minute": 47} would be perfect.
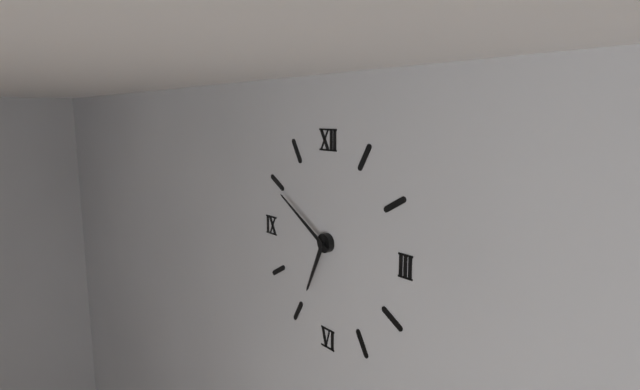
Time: {"hour": 6, "minute": 50}
